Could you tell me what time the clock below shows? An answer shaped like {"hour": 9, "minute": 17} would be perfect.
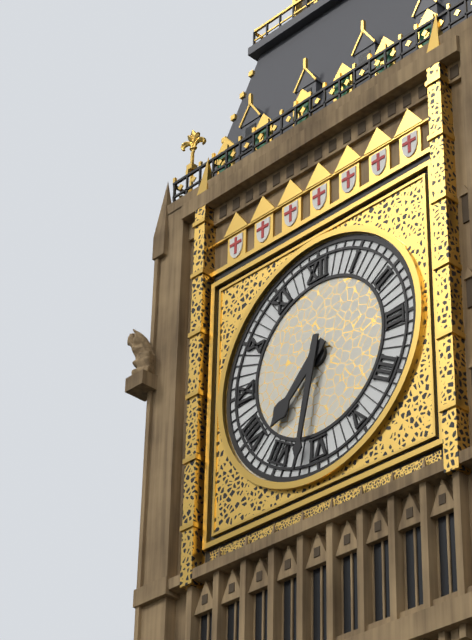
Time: {"hour": 7, "minute": 32}
